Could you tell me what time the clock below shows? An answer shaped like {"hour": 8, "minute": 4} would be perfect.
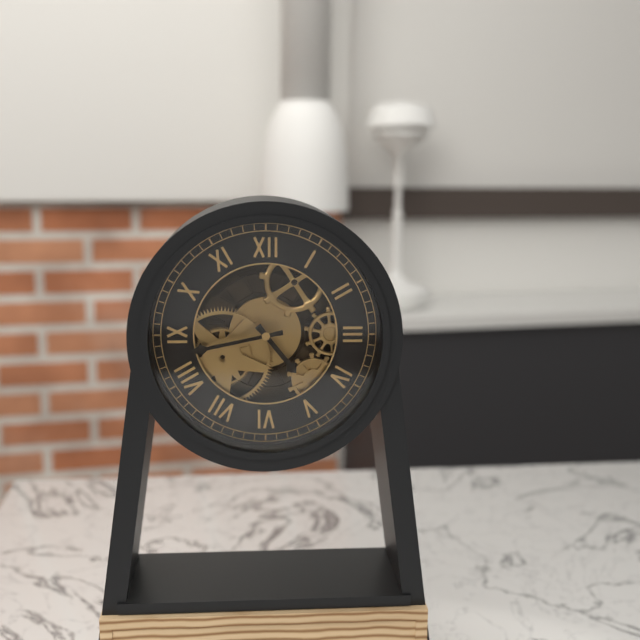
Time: {"hour": 4, "minute": 43}
